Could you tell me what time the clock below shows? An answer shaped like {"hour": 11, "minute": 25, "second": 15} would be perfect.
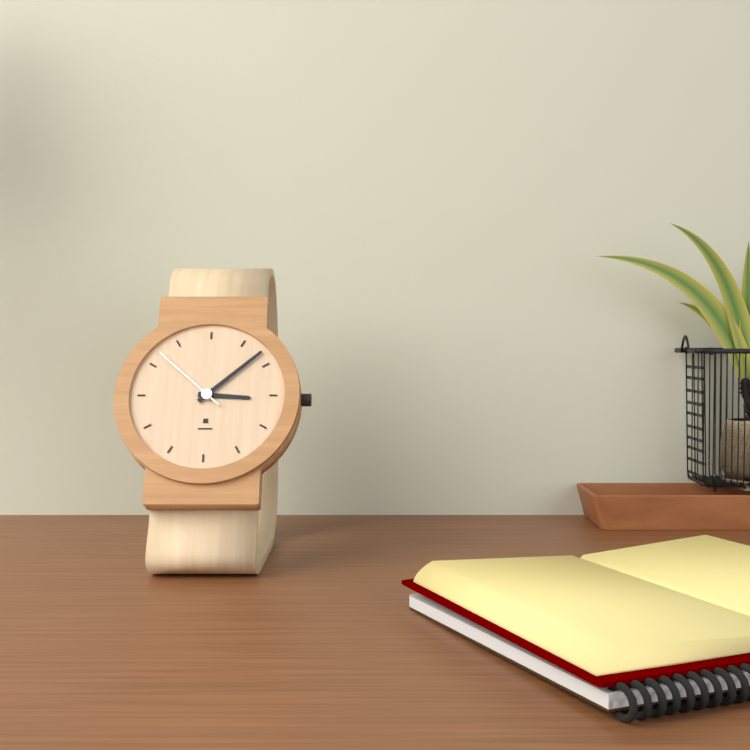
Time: {"hour": 3, "minute": 8, "second": 52}
